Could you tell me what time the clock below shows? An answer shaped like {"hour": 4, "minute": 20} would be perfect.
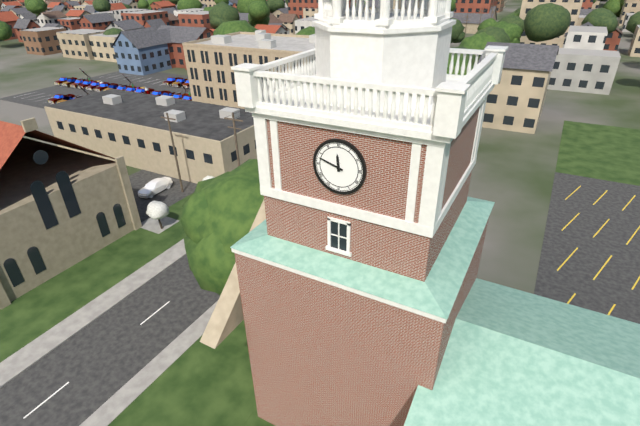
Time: {"hour": 11, "minute": 48}
